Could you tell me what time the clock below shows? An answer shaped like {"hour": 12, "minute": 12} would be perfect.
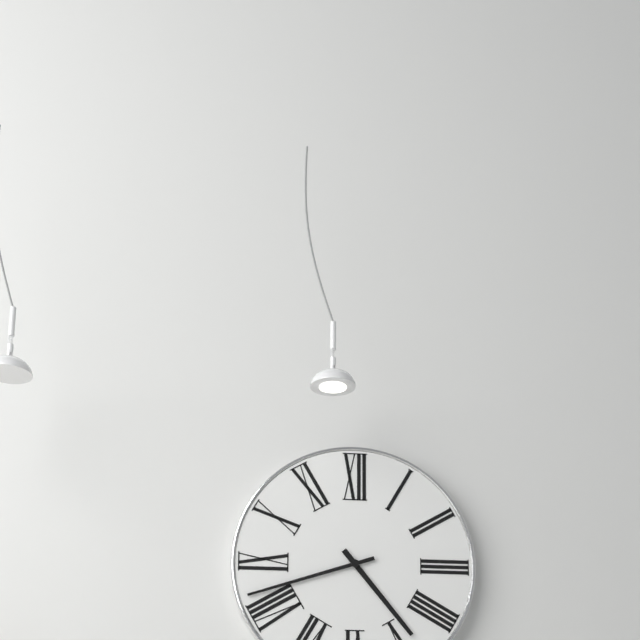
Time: {"hour": 4, "minute": 42}
